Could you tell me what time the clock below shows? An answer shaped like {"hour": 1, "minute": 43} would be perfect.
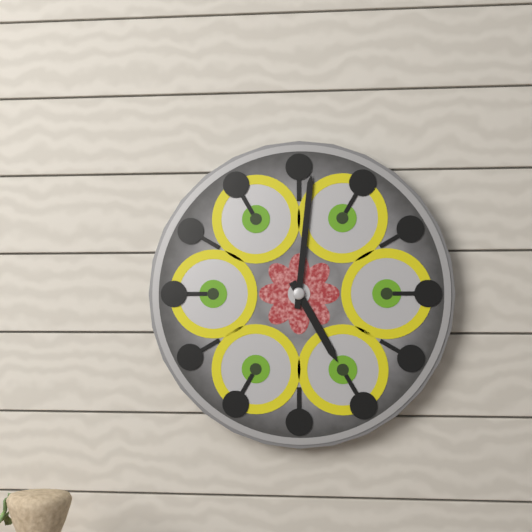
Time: {"hour": 5, "minute": 1}
